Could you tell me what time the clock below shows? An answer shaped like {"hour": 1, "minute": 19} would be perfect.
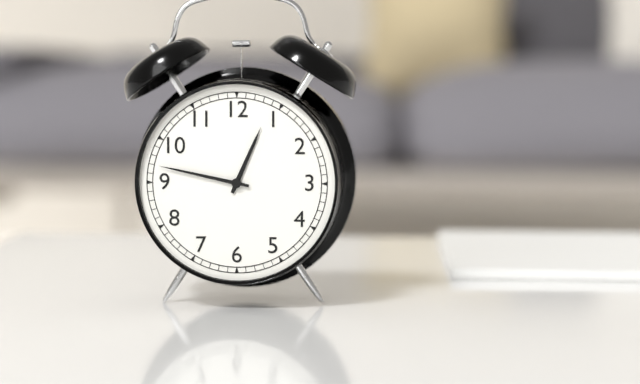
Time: {"hour": 12, "minute": 47}
